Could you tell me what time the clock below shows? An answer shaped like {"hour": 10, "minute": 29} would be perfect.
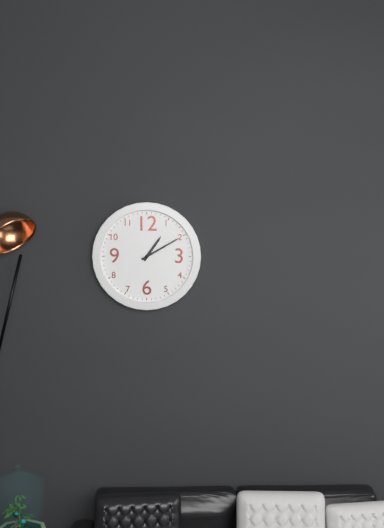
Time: {"hour": 1, "minute": 10}
